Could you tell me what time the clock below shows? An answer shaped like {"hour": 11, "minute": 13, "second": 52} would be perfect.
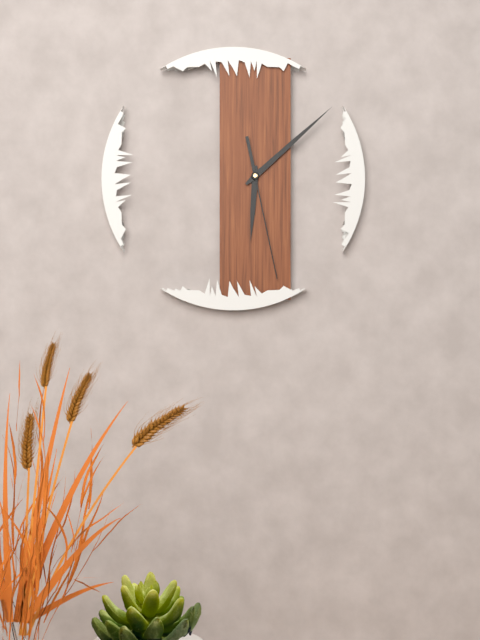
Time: {"hour": 6, "minute": 8, "second": 28}
